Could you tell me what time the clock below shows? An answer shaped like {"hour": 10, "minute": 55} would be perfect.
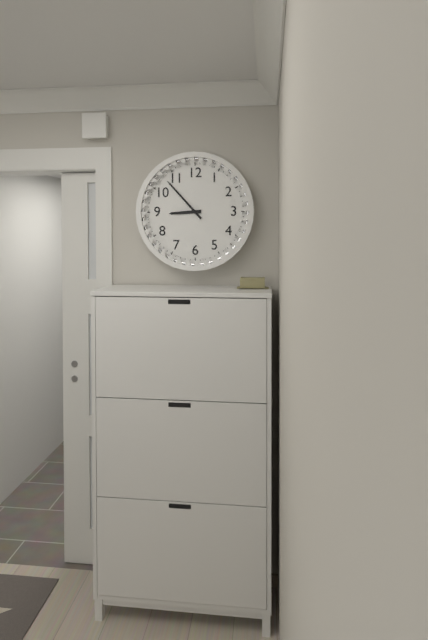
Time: {"hour": 8, "minute": 53}
